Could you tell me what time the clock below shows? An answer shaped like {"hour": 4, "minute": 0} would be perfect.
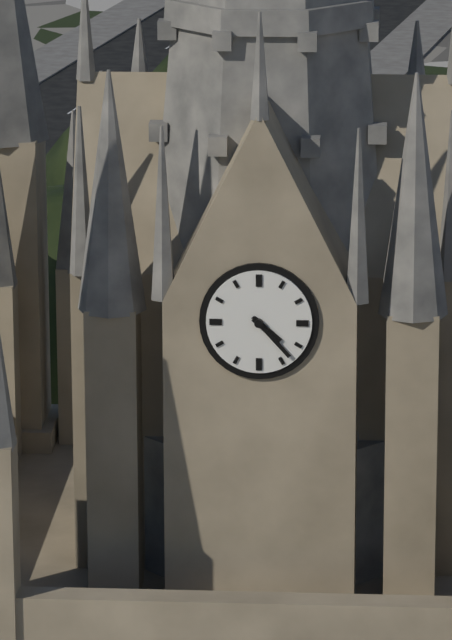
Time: {"hour": 4, "minute": 23}
